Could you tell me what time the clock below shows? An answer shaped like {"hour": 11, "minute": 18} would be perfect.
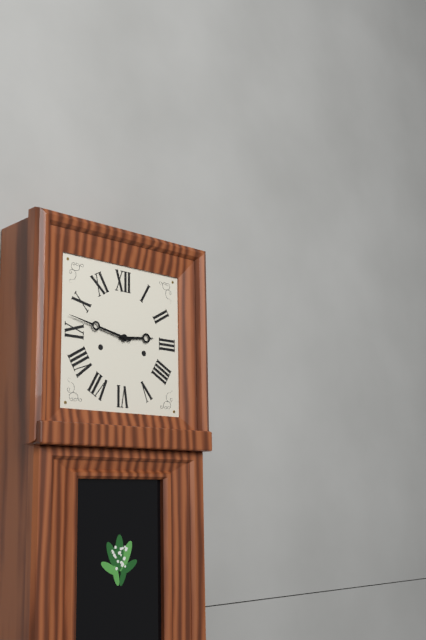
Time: {"hour": 2, "minute": 47}
